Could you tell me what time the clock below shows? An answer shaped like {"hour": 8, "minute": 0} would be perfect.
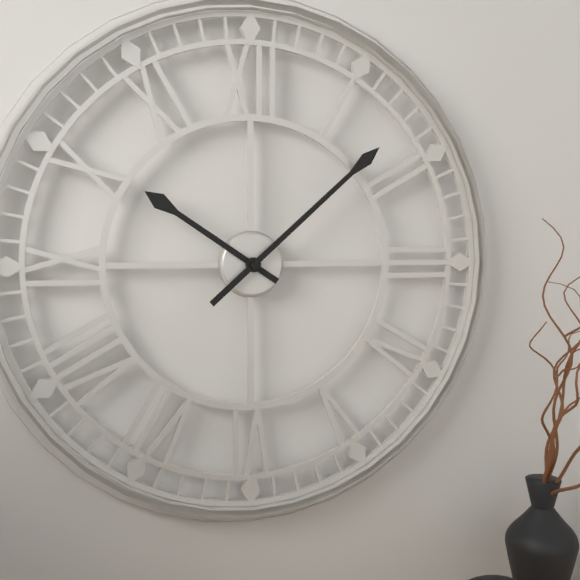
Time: {"hour": 10, "minute": 8}
